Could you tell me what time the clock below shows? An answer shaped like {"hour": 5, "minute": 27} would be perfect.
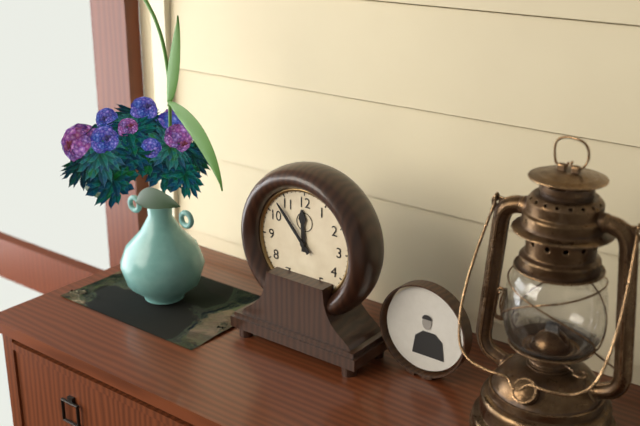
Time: {"hour": 11, "minute": 53}
